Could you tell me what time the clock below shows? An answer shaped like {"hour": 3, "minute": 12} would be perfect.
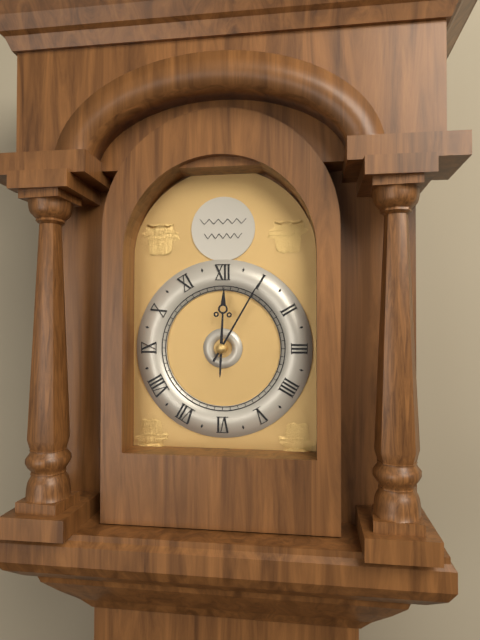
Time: {"hour": 12, "minute": 5}
